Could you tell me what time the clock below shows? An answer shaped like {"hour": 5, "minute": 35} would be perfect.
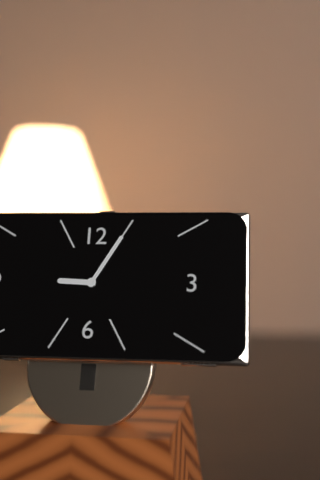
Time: {"hour": 9, "minute": 5}
